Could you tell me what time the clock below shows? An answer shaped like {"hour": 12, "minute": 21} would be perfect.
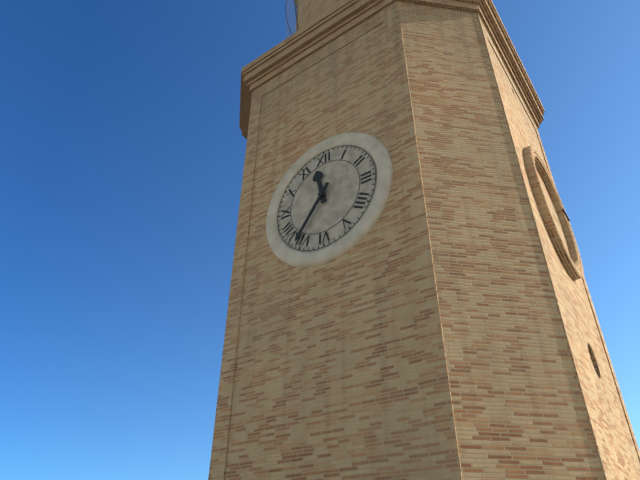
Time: {"hour": 11, "minute": 36}
